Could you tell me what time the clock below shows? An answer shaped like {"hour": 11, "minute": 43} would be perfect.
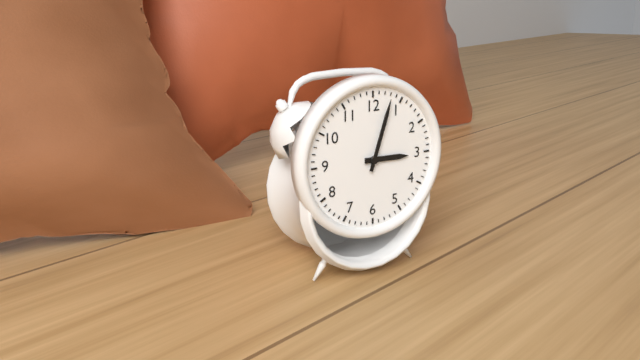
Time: {"hour": 3, "minute": 3}
